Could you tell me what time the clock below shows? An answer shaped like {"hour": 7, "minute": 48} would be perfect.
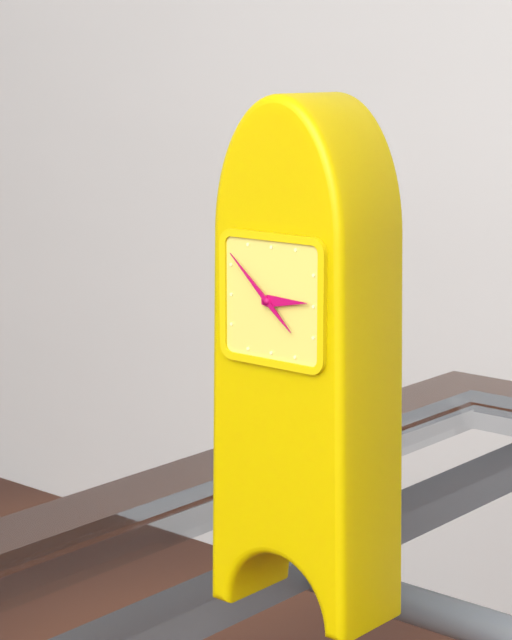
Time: {"hour": 2, "minute": 52}
